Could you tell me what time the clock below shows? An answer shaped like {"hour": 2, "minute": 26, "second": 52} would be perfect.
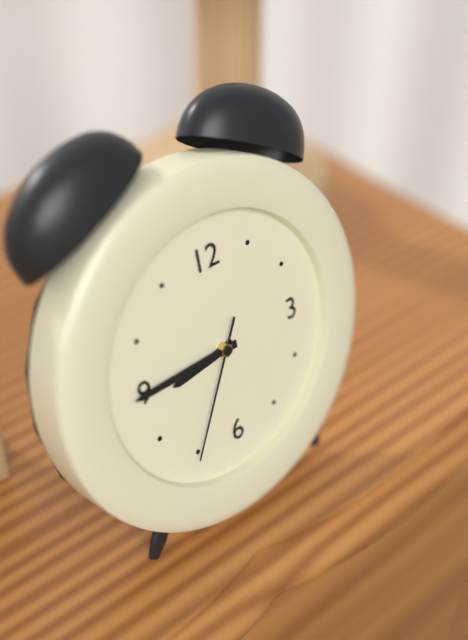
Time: {"hour": 8, "minute": 45, "second": 35}
